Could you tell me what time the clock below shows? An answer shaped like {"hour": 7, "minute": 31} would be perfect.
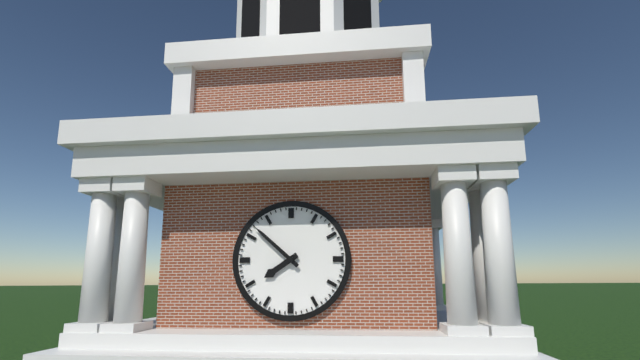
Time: {"hour": 7, "minute": 52}
